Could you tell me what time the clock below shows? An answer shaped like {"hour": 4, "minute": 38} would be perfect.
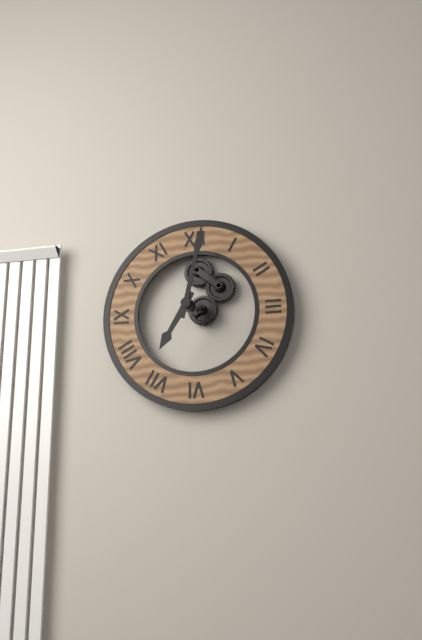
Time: {"hour": 7, "minute": 2}
